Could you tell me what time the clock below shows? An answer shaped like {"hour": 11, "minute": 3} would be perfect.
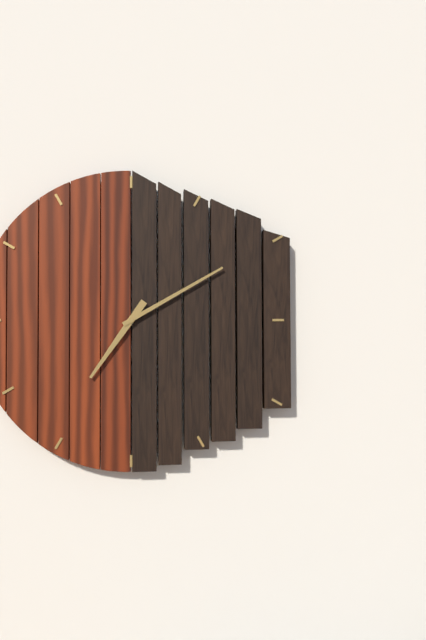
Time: {"hour": 7, "minute": 10}
